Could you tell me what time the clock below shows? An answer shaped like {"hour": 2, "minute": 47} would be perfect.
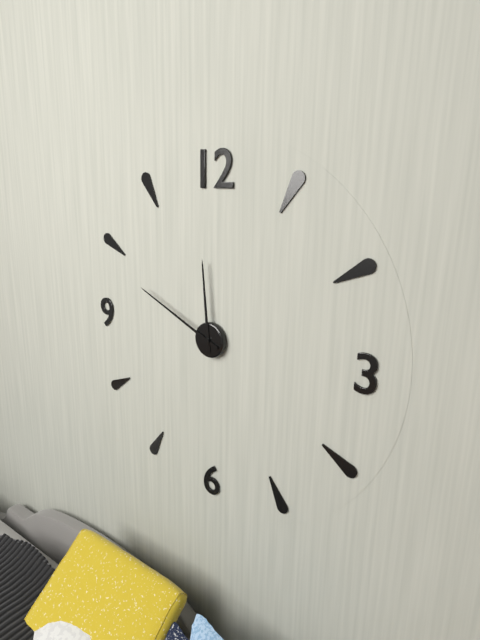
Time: {"hour": 11, "minute": 49}
